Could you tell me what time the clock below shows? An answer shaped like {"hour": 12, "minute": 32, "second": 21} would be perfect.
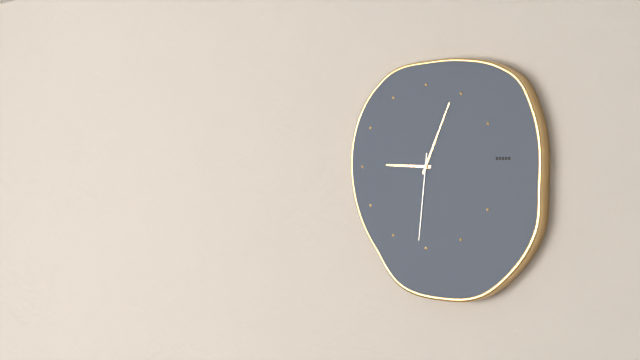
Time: {"hour": 9, "minute": 4, "second": 31}
